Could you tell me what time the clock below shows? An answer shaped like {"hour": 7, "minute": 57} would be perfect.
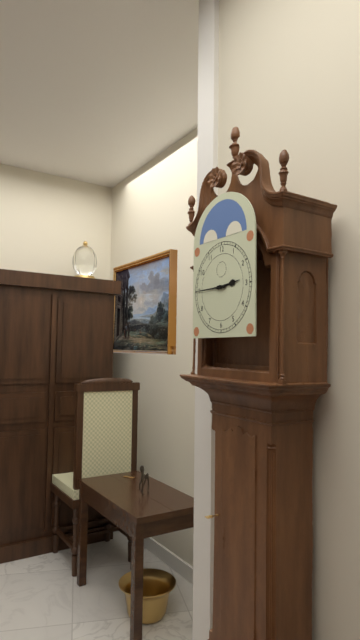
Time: {"hour": 2, "minute": 45}
